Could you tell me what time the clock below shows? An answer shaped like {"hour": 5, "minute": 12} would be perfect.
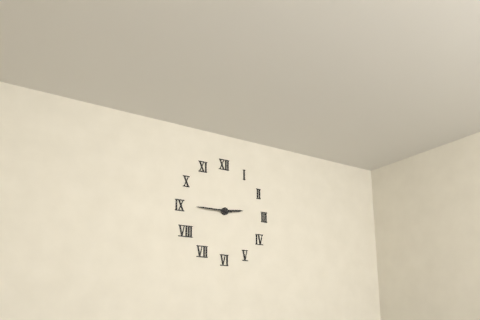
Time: {"hour": 2, "minute": 45}
